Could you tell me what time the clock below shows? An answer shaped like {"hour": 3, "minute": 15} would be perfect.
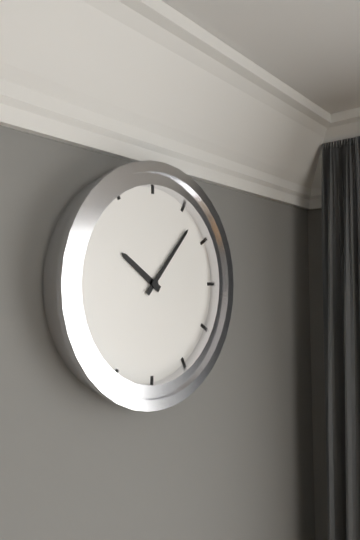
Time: {"hour": 10, "minute": 7}
